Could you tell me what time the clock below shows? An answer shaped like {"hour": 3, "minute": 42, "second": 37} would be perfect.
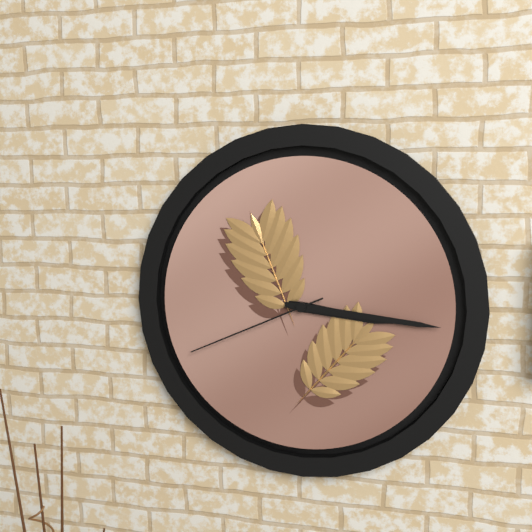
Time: {"hour": 3, "minute": 16, "second": 41}
